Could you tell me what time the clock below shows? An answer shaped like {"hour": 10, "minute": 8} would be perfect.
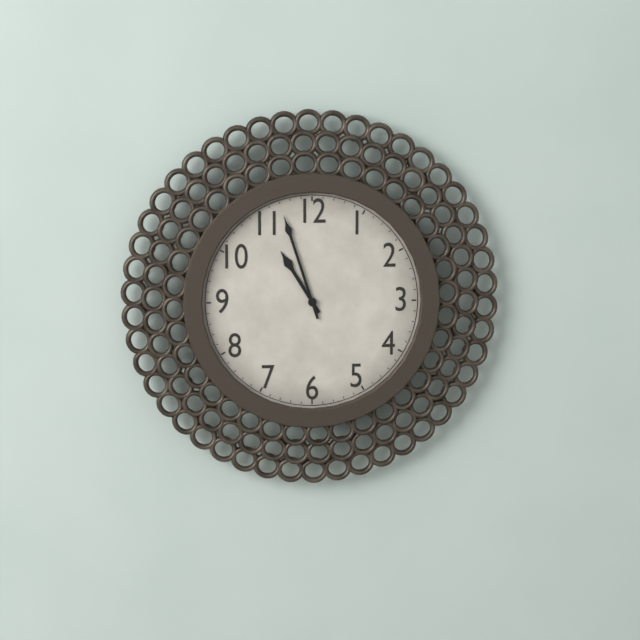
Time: {"hour": 10, "minute": 57}
